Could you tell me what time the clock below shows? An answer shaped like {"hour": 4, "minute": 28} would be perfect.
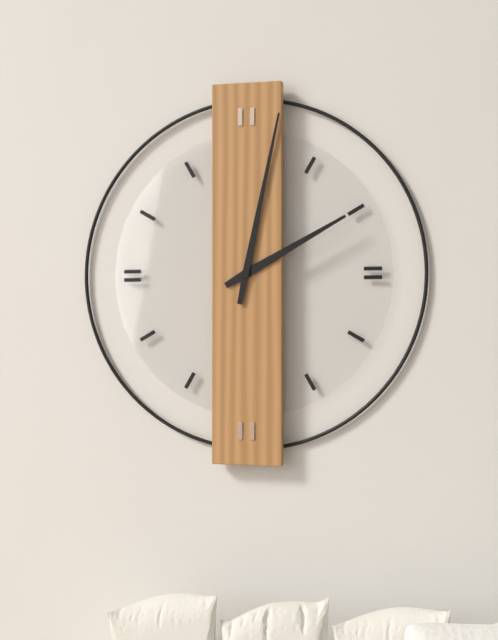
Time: {"hour": 2, "minute": 2}
